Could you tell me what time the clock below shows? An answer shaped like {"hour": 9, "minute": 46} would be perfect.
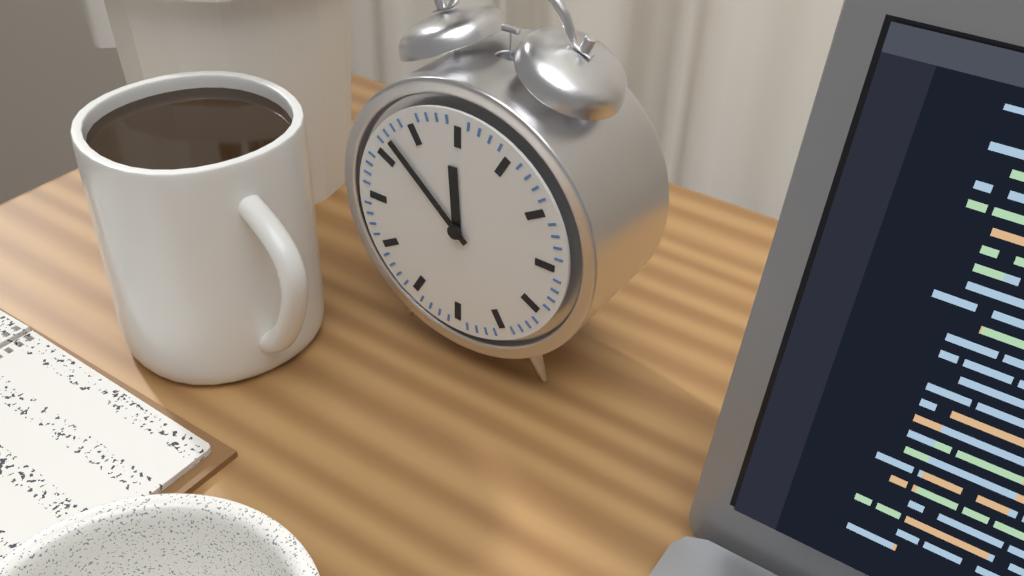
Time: {"hour": 11, "minute": 52}
